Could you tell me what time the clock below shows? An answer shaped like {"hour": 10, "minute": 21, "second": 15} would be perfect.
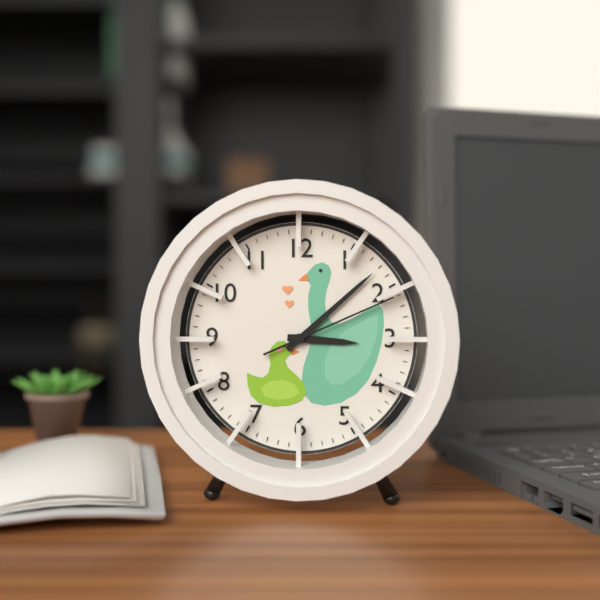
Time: {"hour": 3, "minute": 8, "second": 11}
